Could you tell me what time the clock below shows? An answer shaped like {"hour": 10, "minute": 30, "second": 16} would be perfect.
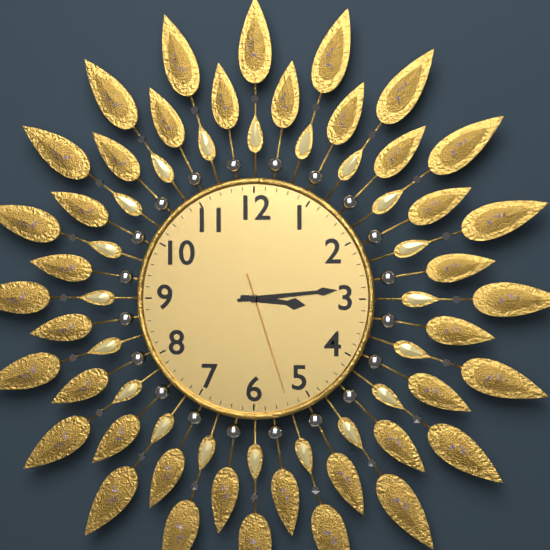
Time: {"hour": 3, "minute": 14, "second": 27}
